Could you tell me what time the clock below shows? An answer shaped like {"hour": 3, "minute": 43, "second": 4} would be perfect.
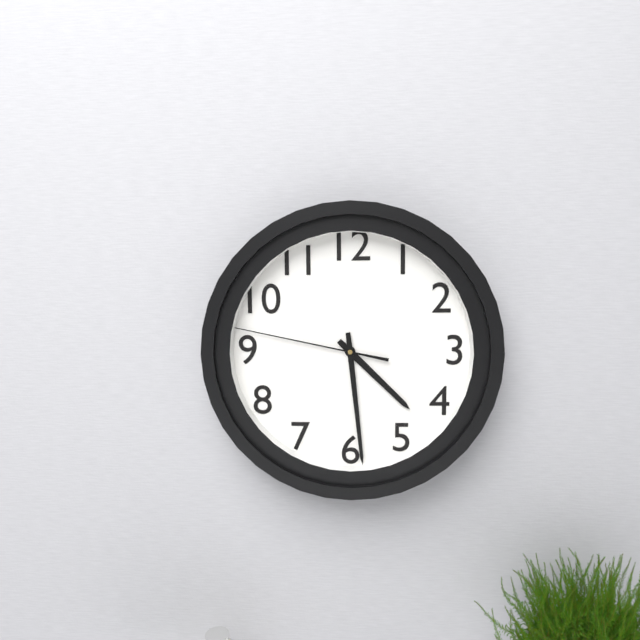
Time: {"hour": 4, "minute": 29, "second": 47}
